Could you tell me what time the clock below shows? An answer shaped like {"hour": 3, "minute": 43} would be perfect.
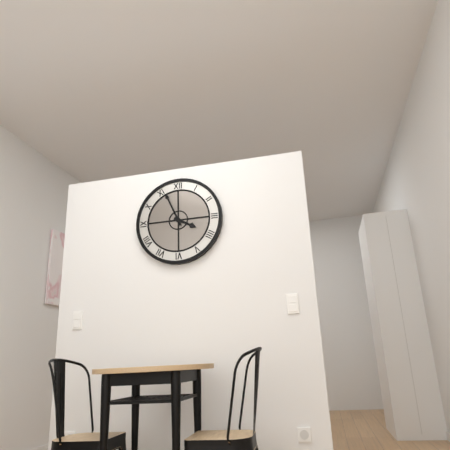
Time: {"hour": 3, "minute": 56}
